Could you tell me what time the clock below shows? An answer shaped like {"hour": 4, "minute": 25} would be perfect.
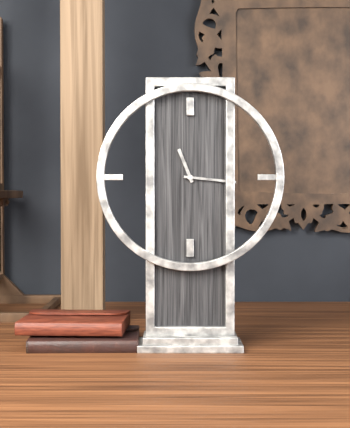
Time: {"hour": 11, "minute": 16}
